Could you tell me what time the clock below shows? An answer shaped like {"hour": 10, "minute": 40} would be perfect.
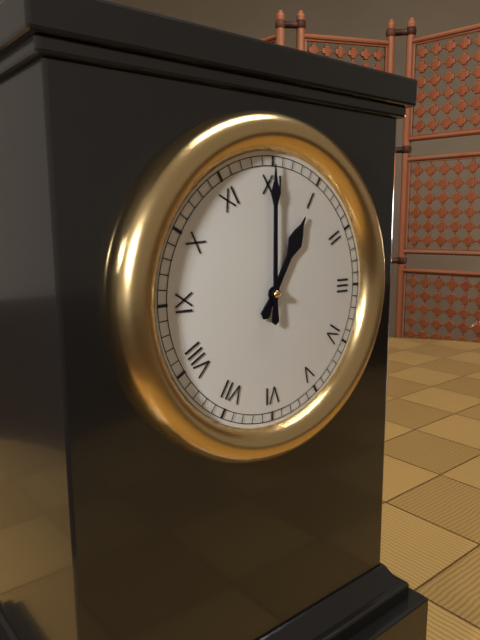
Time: {"hour": 1, "minute": 0}
